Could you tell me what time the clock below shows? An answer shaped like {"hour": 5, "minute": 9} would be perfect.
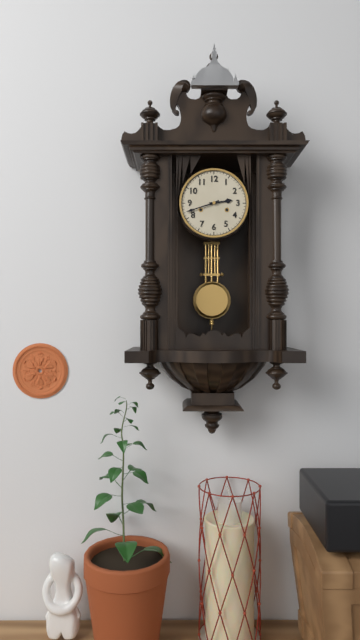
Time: {"hour": 2, "minute": 42}
